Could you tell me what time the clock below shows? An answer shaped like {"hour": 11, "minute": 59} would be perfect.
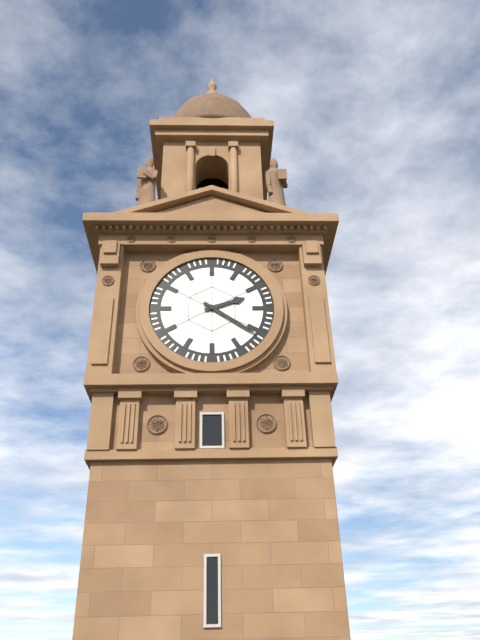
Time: {"hour": 2, "minute": 21}
